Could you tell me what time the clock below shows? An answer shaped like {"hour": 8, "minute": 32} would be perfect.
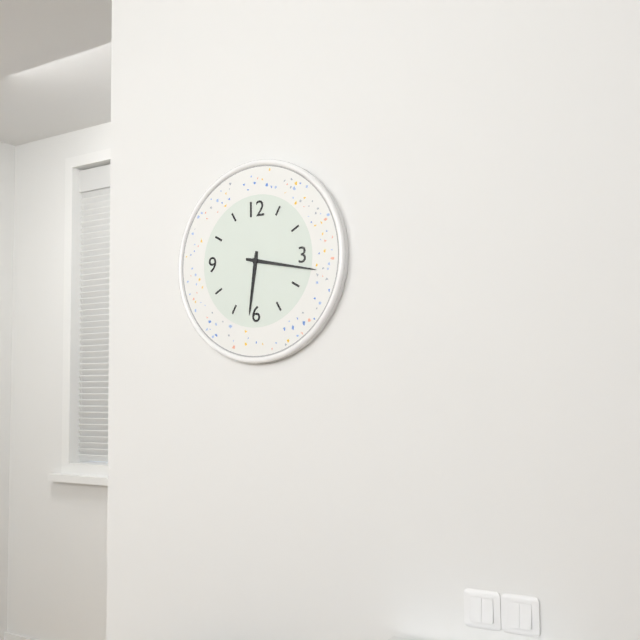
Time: {"hour": 6, "minute": 17}
